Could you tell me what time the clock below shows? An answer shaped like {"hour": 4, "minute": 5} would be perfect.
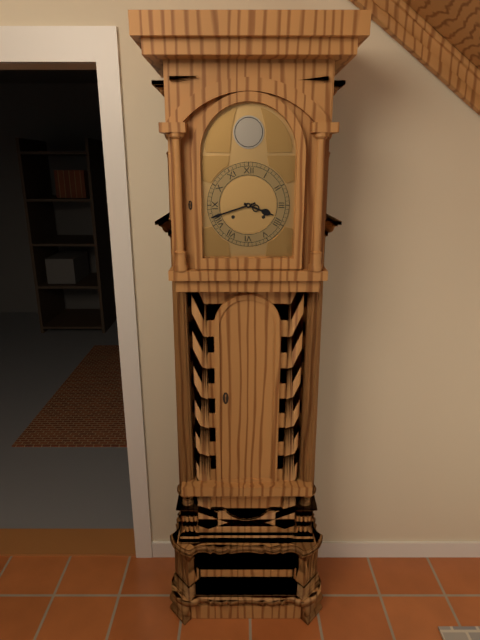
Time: {"hour": 3, "minute": 42}
